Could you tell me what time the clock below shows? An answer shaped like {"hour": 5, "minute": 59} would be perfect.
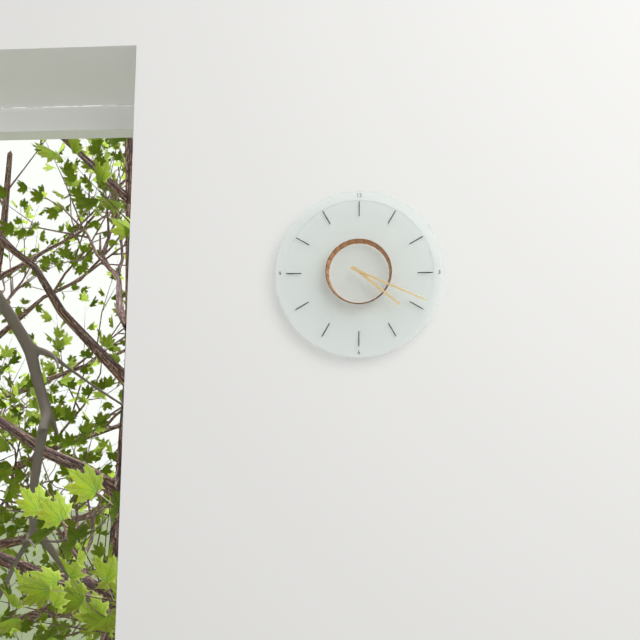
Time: {"hour": 4, "minute": 19}
